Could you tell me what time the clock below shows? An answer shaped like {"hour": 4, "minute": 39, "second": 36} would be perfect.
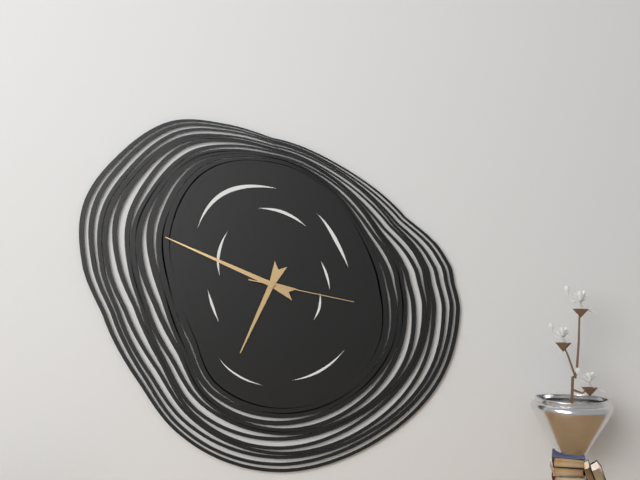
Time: {"hour": 6, "minute": 49, "second": 17}
